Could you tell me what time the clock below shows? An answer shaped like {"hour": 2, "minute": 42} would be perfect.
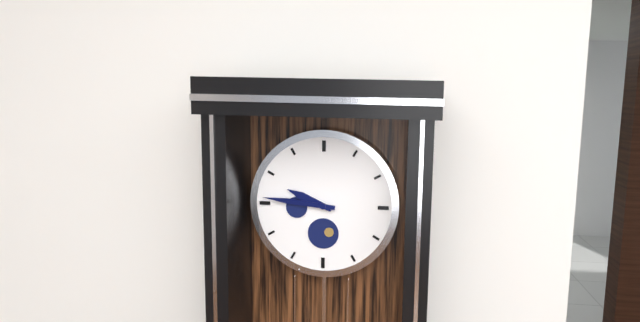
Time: {"hour": 9, "minute": 46}
